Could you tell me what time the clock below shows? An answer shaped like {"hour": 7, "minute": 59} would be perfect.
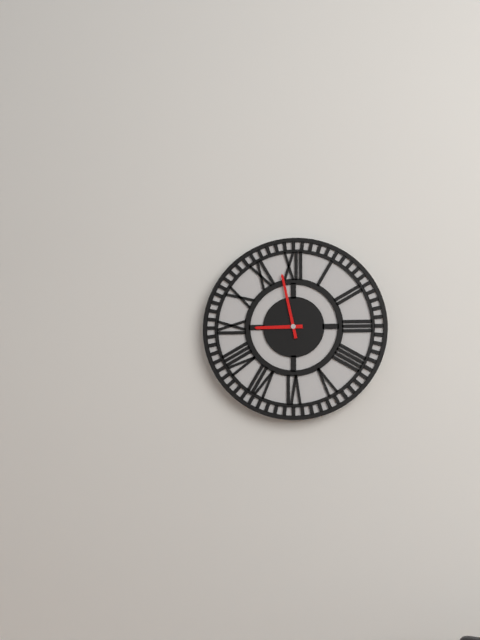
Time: {"hour": 8, "minute": 58}
